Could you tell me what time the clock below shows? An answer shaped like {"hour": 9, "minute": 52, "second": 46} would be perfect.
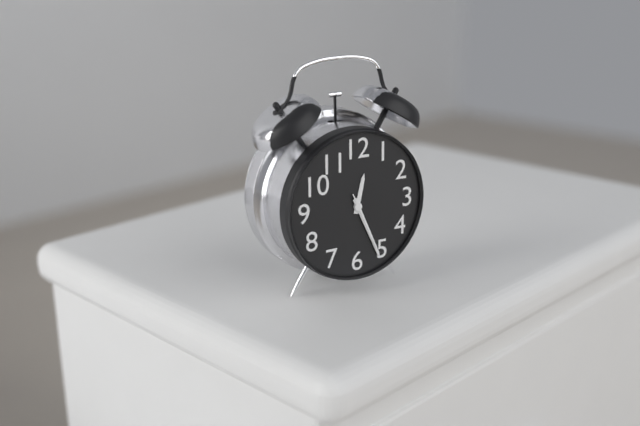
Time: {"hour": 12, "minute": 26, "second": 26}
